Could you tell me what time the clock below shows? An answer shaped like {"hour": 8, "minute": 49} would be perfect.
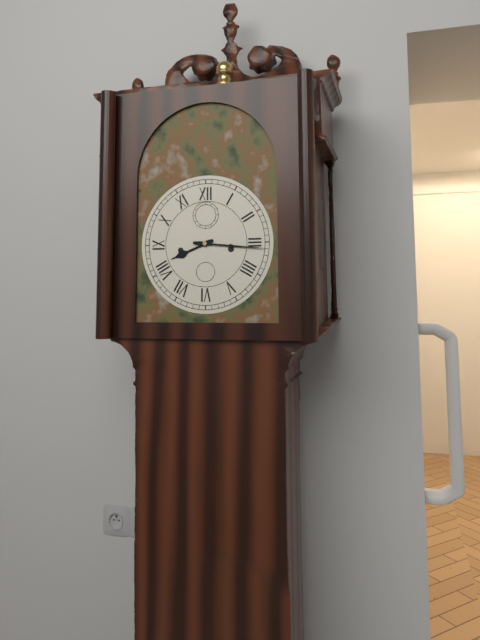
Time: {"hour": 8, "minute": 16}
